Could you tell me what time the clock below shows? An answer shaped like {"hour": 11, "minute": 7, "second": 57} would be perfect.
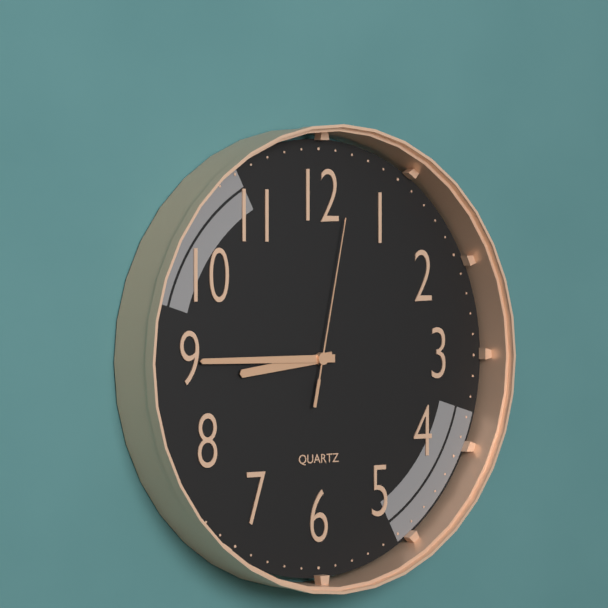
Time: {"hour": 8, "minute": 45, "second": 2}
